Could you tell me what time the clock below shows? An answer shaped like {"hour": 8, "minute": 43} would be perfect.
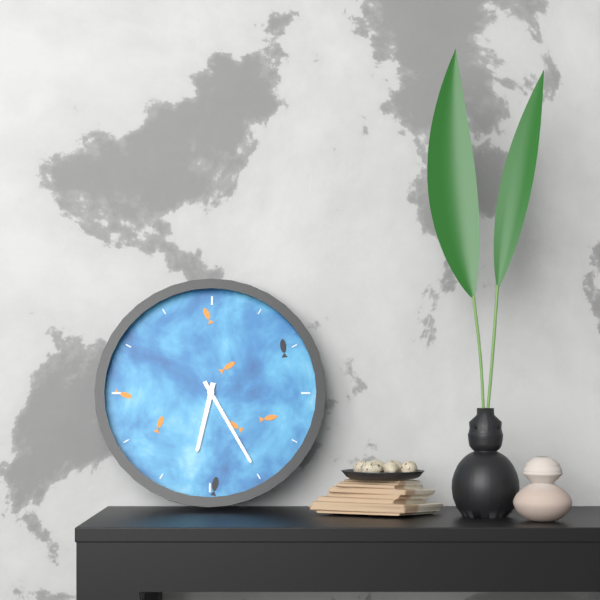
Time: {"hour": 6, "minute": 25}
